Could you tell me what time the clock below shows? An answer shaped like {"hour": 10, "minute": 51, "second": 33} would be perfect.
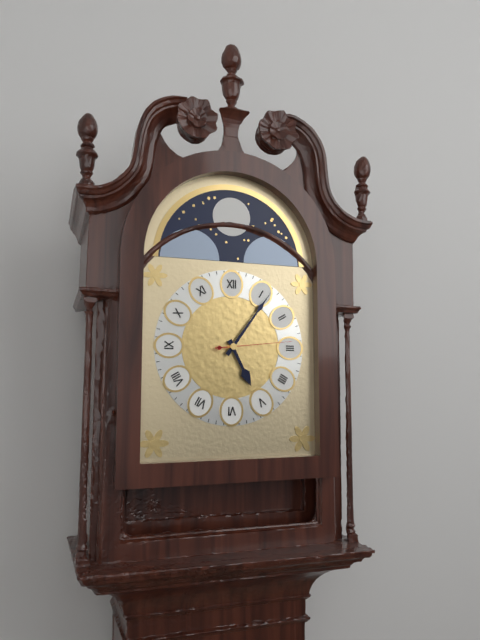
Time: {"hour": 5, "minute": 6, "second": 14}
